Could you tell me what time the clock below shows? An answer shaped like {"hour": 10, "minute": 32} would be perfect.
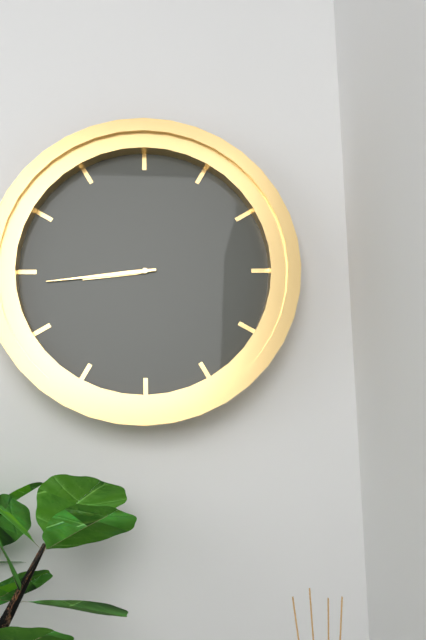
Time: {"hour": 8, "minute": 44}
